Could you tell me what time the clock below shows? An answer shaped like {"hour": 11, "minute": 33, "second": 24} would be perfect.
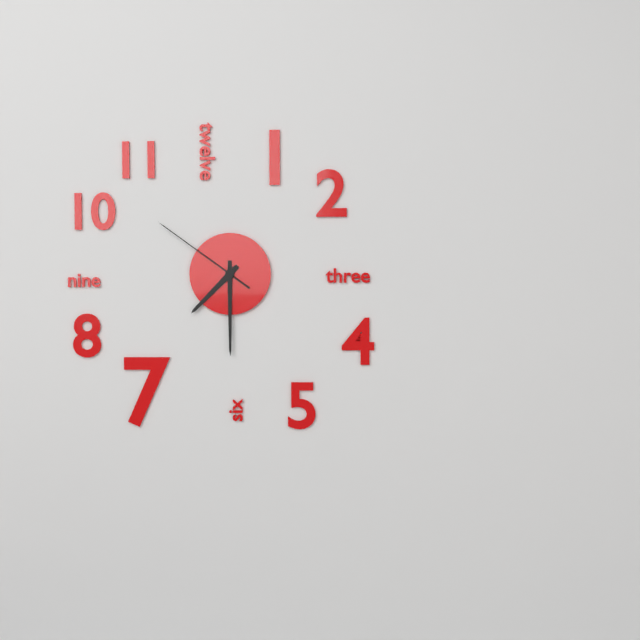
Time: {"hour": 7, "minute": 30, "second": 51}
